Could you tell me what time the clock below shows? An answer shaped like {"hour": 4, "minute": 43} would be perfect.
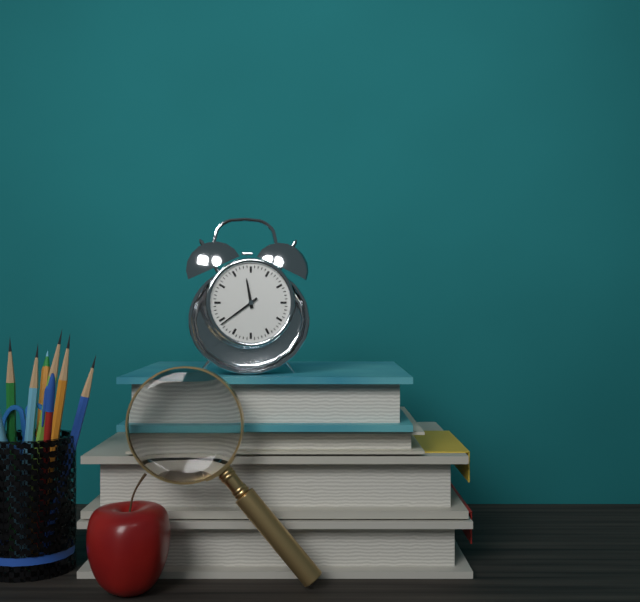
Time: {"hour": 11, "minute": 39}
